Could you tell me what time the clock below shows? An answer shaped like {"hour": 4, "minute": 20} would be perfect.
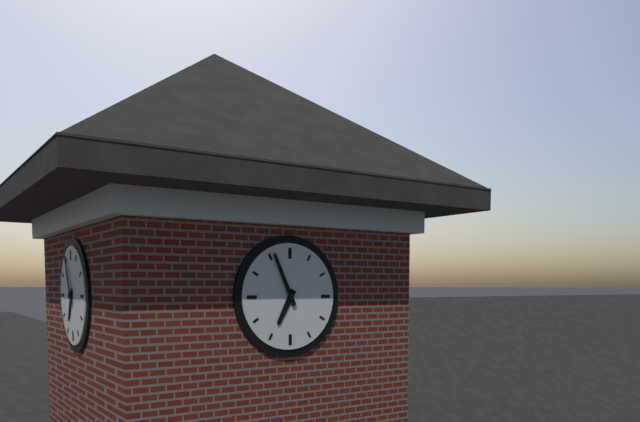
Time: {"hour": 6, "minute": 56}
